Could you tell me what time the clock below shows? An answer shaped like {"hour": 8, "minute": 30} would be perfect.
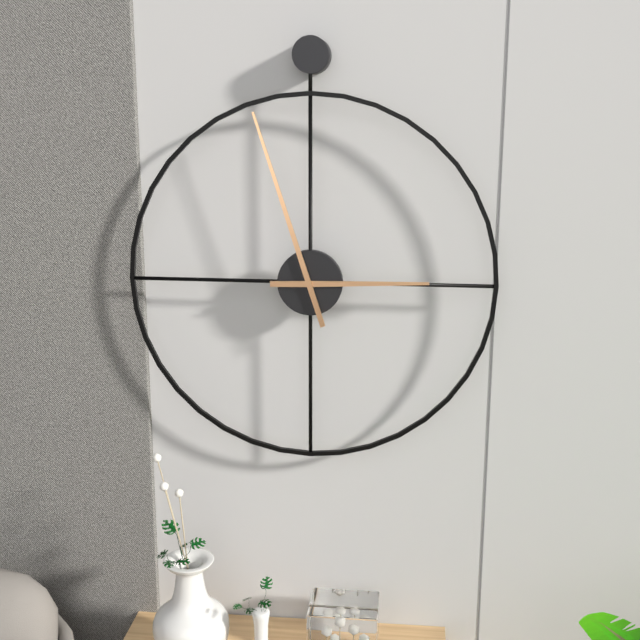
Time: {"hour": 2, "minute": 57}
